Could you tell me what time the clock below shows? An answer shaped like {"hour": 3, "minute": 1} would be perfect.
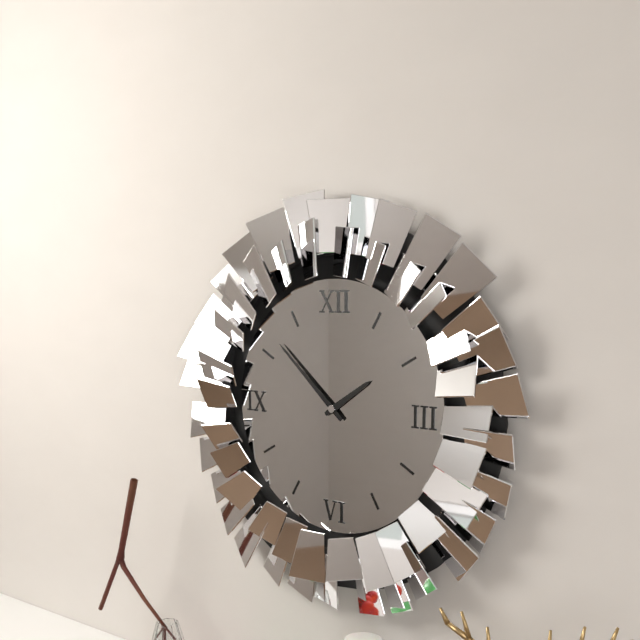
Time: {"hour": 1, "minute": 52}
